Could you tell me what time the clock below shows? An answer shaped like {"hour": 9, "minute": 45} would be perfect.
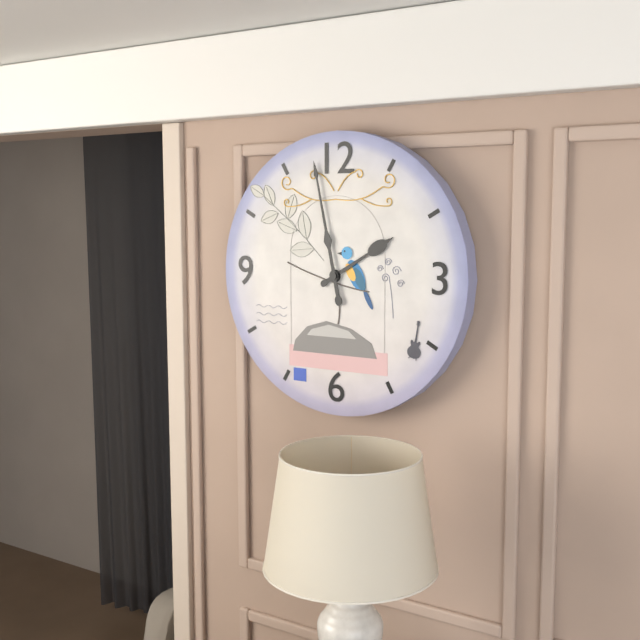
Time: {"hour": 1, "minute": 58}
